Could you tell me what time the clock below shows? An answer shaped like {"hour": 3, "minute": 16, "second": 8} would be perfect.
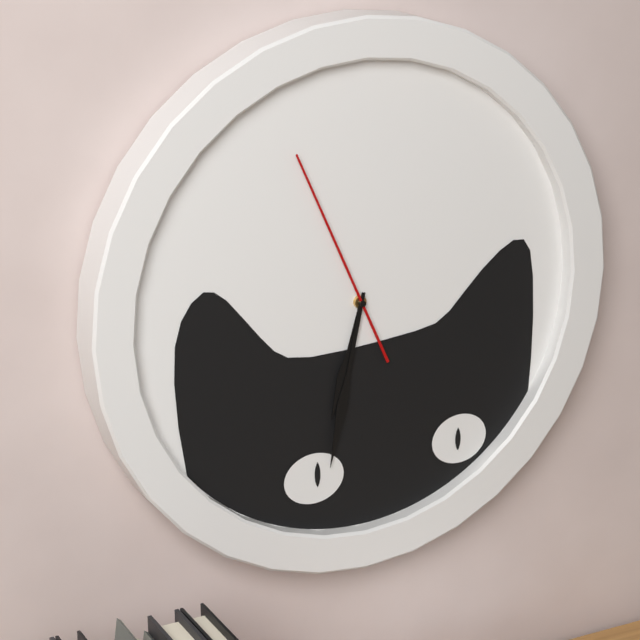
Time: {"hour": 6, "minute": 32, "second": 56}
